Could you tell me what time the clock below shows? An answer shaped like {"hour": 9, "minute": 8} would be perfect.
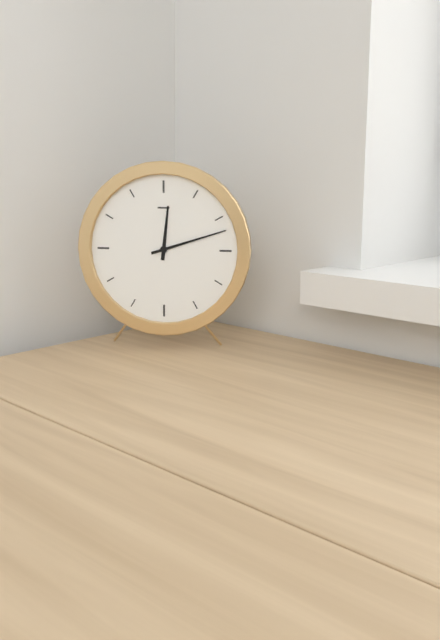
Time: {"hour": 12, "minute": 12}
